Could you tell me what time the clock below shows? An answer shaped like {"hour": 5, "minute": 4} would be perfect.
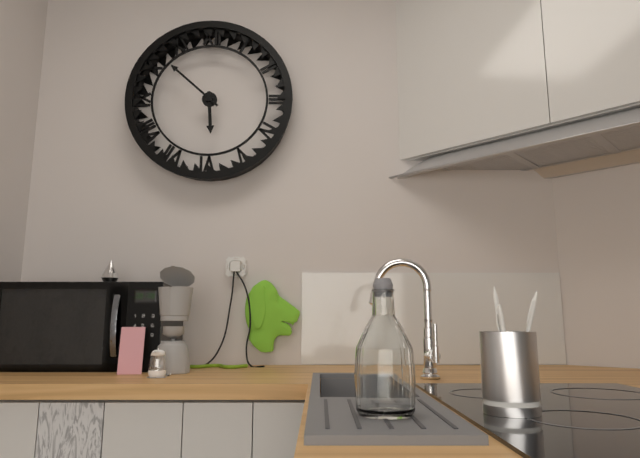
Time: {"hour": 5, "minute": 52}
